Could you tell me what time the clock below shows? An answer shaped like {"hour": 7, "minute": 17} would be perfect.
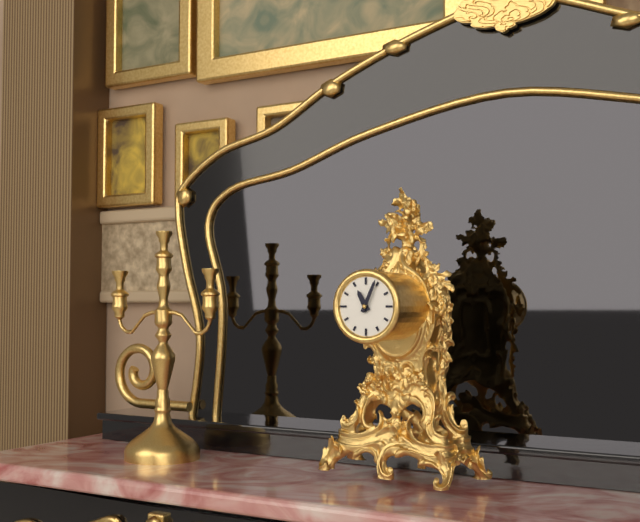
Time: {"hour": 11, "minute": 4}
